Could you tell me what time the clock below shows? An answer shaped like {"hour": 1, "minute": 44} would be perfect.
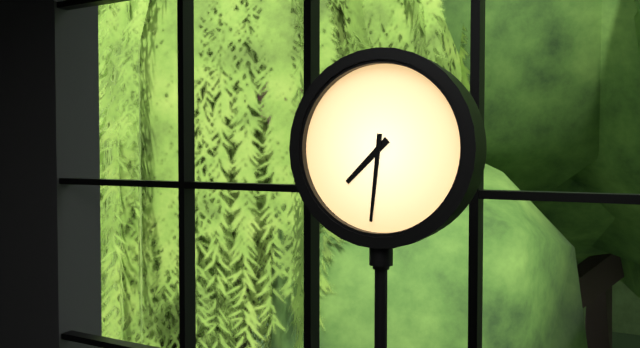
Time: {"hour": 7, "minute": 31}
